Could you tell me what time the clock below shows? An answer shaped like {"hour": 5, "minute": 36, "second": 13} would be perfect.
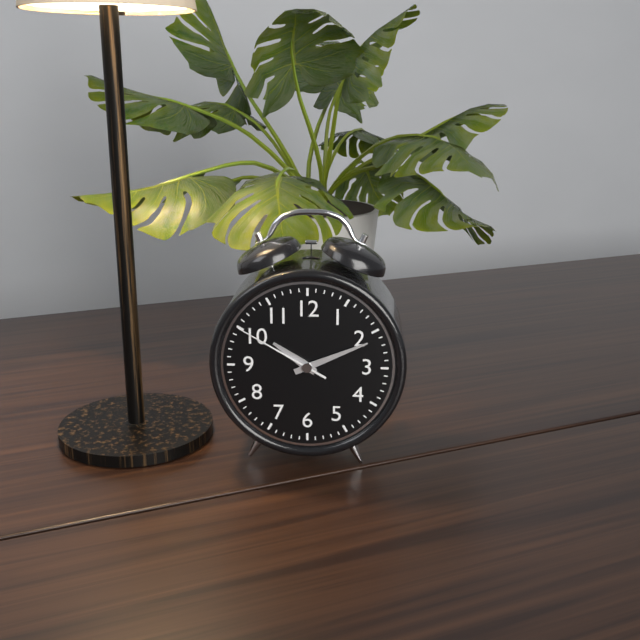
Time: {"hour": 10, "minute": 11, "second": 50}
